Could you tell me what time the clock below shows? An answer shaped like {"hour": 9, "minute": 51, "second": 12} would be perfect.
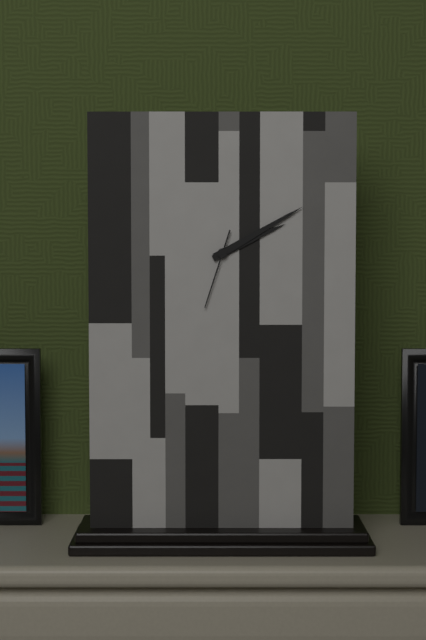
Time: {"hour": 2, "minute": 10, "second": 33}
